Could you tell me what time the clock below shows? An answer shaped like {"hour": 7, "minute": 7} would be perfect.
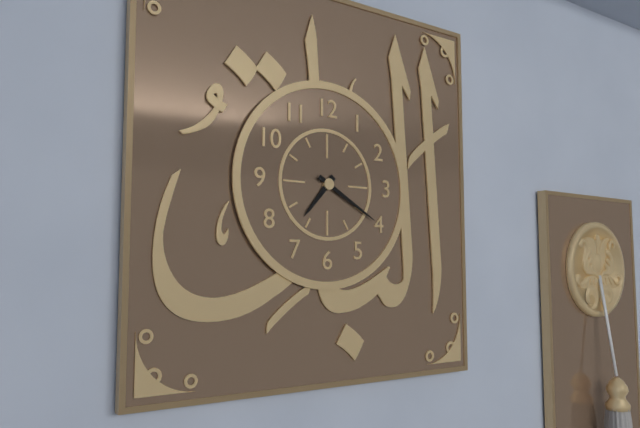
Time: {"hour": 7, "minute": 20}
